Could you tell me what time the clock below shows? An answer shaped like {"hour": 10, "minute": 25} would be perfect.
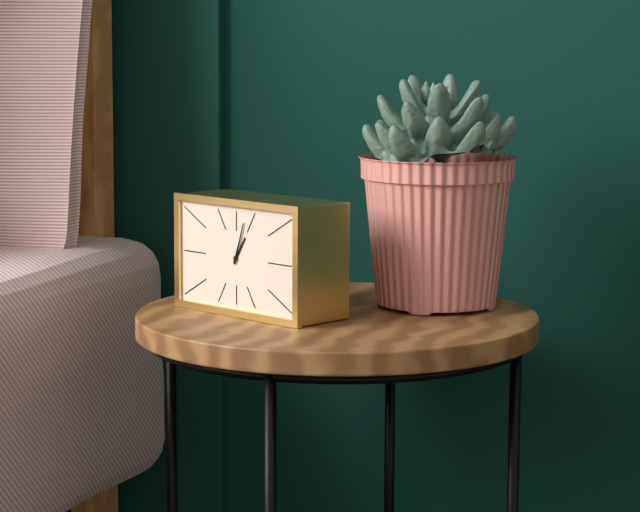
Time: {"hour": 1, "minute": 3}
